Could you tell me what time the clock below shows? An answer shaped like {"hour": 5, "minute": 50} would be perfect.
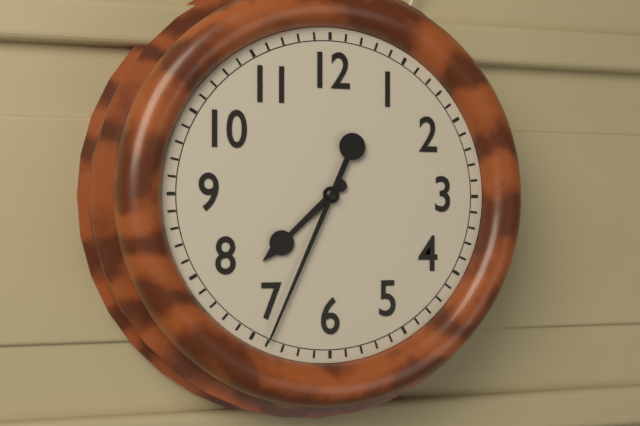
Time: {"hour": 7, "minute": 34}
